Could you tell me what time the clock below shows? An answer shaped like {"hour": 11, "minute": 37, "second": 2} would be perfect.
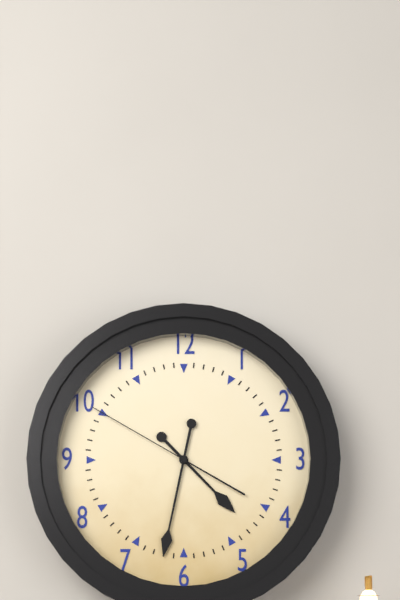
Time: {"hour": 4, "minute": 32, "second": 50}
